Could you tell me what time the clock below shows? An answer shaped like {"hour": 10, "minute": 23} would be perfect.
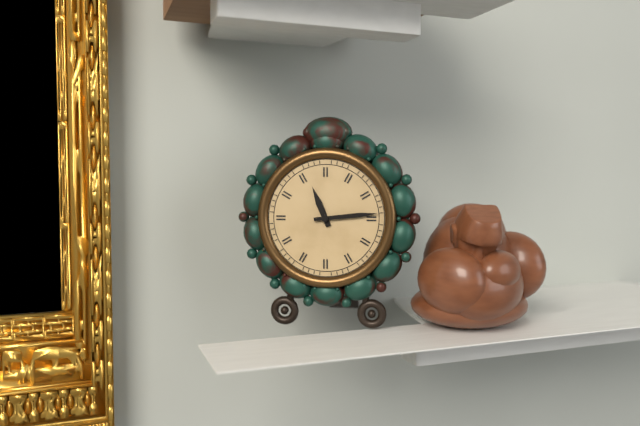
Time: {"hour": 11, "minute": 14}
